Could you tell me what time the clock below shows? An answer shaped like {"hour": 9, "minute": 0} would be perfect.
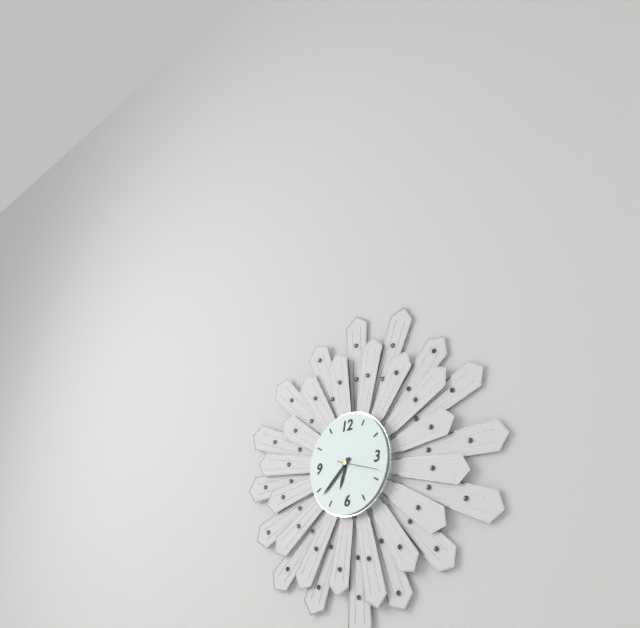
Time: {"hour": 6, "minute": 38}
